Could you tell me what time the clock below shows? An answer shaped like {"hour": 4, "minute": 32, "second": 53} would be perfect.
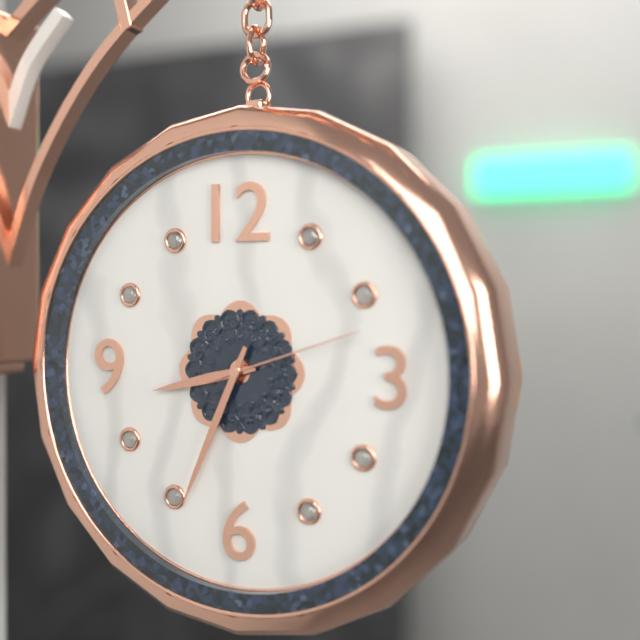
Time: {"hour": 8, "minute": 34, "second": 12}
